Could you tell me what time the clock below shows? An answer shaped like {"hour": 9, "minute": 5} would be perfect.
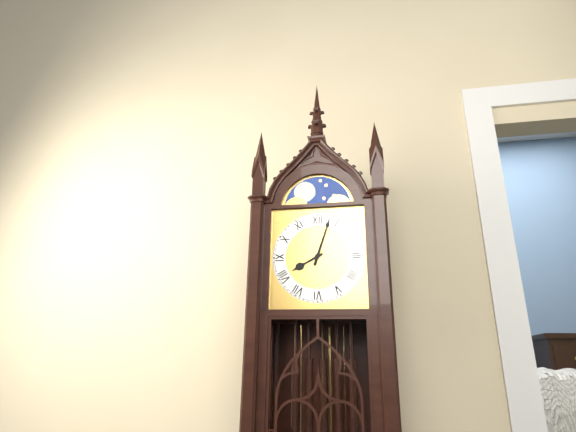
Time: {"hour": 8, "minute": 3}
